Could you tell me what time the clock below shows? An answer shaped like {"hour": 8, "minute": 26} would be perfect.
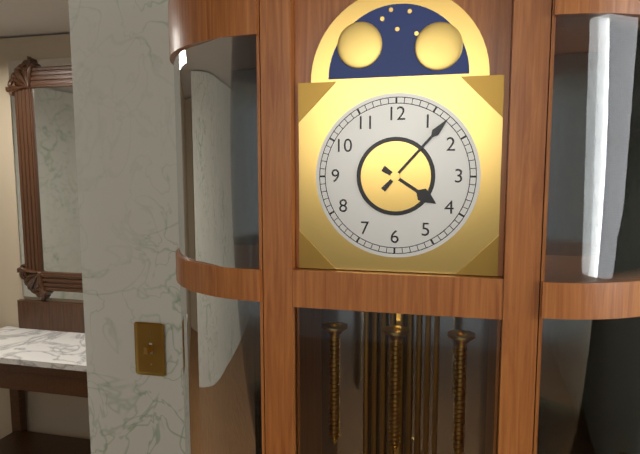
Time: {"hour": 4, "minute": 7}
